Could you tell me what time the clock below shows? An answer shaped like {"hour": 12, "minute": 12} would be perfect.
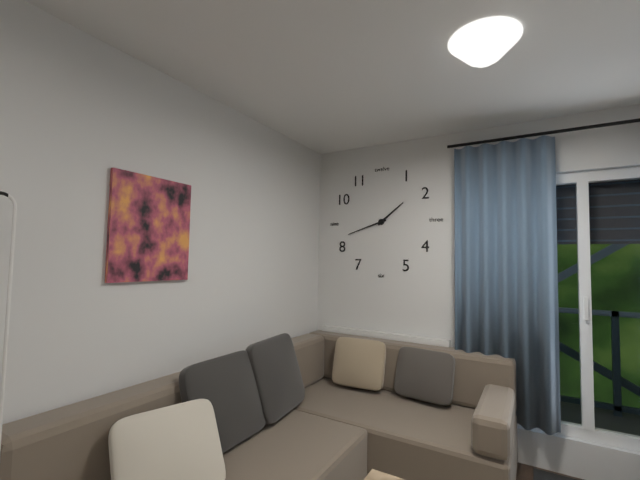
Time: {"hour": 1, "minute": 42}
